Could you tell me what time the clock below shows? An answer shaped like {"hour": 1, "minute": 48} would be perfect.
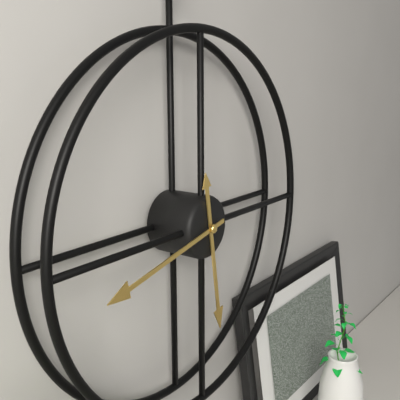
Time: {"hour": 5, "minute": 43}
